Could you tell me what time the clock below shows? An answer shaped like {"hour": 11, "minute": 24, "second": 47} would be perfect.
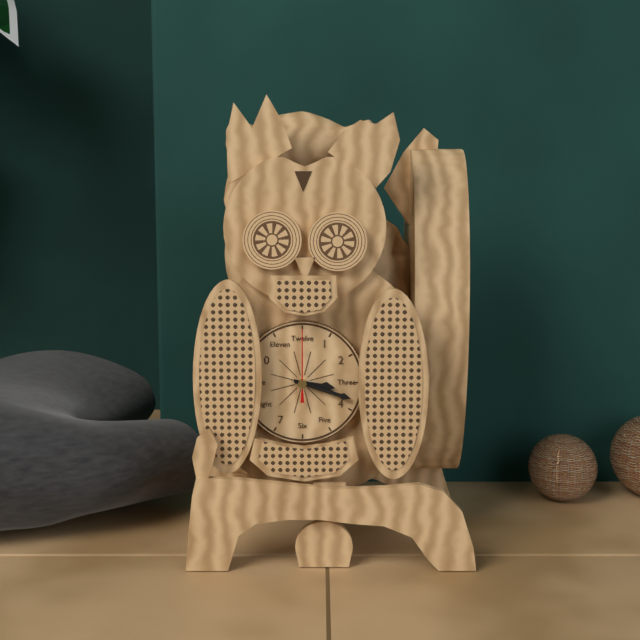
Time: {"hour": 3, "minute": 18, "second": 0}
